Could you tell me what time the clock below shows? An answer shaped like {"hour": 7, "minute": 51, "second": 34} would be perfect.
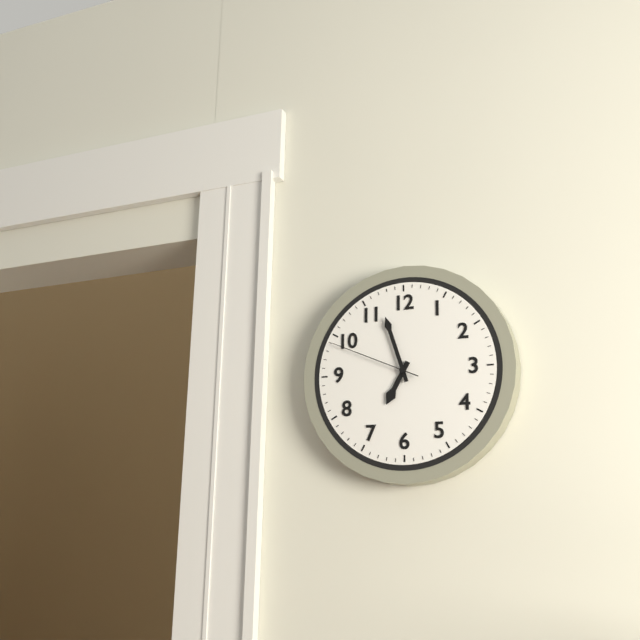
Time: {"hour": 6, "minute": 57, "second": 49}
